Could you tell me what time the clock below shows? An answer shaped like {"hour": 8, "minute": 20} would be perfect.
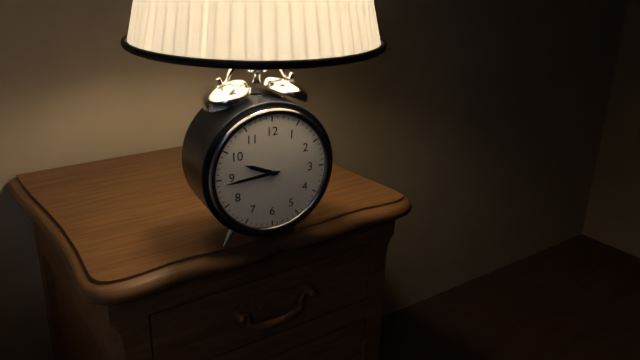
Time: {"hour": 9, "minute": 44}
